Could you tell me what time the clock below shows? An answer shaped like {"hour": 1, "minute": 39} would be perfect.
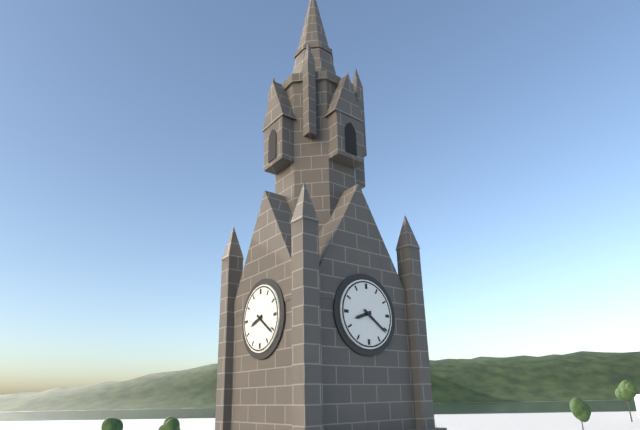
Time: {"hour": 8, "minute": 21}
